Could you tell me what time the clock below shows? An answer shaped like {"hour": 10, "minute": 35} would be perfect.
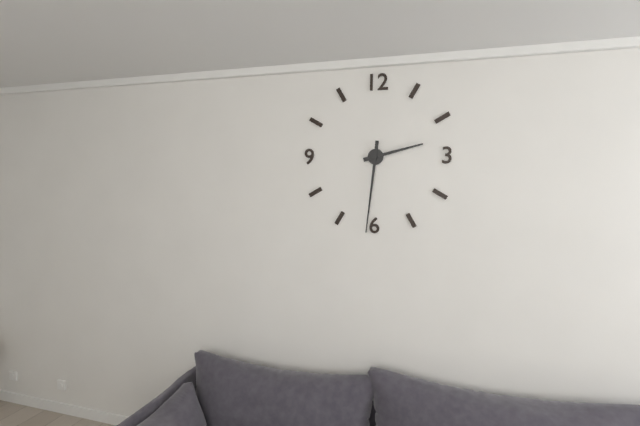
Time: {"hour": 2, "minute": 31}
